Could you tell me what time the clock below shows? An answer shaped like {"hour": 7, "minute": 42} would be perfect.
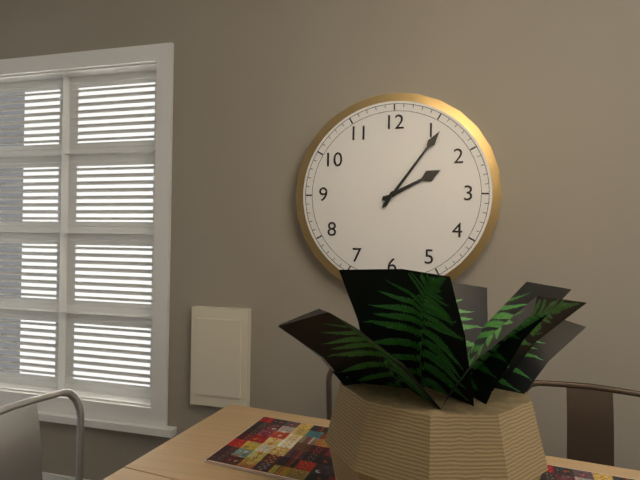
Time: {"hour": 2, "minute": 6}
